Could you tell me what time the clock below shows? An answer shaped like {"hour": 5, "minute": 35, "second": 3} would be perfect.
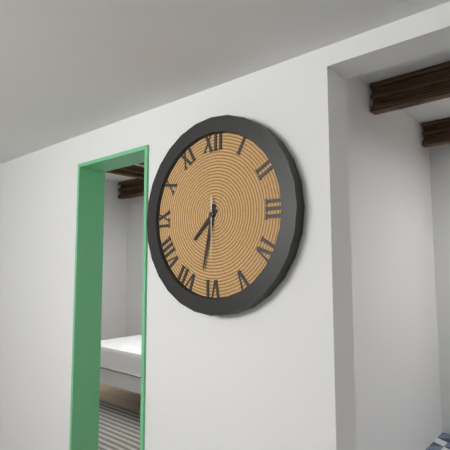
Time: {"hour": 7, "minute": 32, "second": 30}
